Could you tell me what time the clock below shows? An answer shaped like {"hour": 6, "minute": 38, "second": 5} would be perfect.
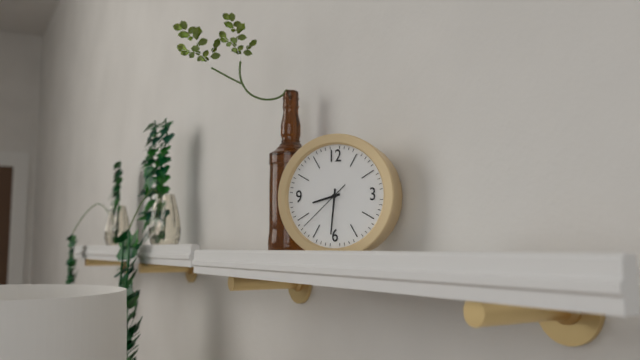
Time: {"hour": 8, "minute": 31, "second": 38}
